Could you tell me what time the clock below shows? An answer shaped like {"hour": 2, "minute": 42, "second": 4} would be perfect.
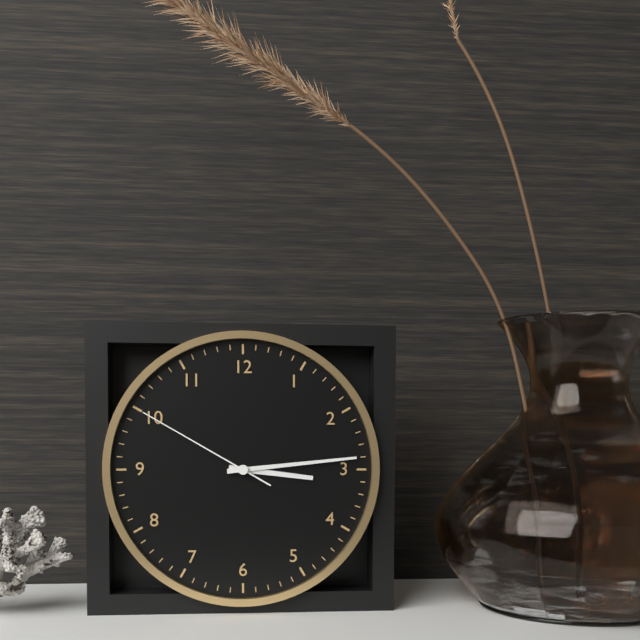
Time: {"hour": 3, "minute": 14, "second": 50}
